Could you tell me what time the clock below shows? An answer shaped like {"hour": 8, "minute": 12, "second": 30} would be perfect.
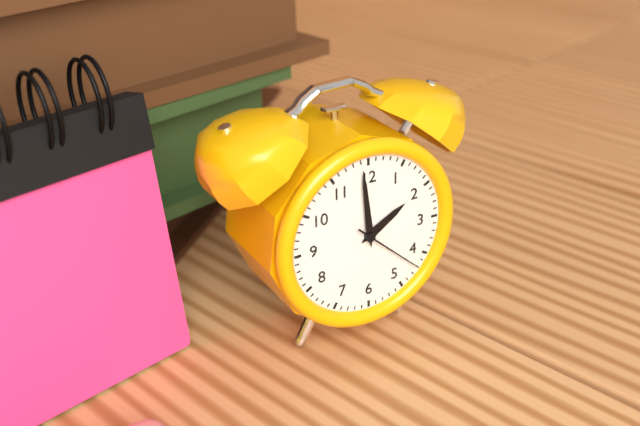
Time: {"hour": 1, "minute": 59, "second": 22}
